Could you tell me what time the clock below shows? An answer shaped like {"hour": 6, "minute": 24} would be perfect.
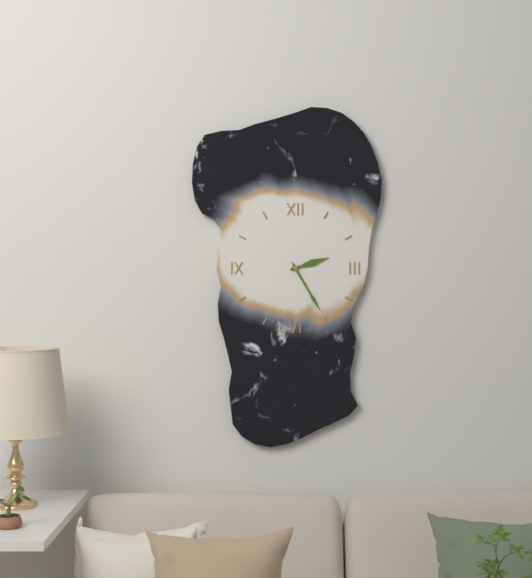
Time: {"hour": 2, "minute": 25}
